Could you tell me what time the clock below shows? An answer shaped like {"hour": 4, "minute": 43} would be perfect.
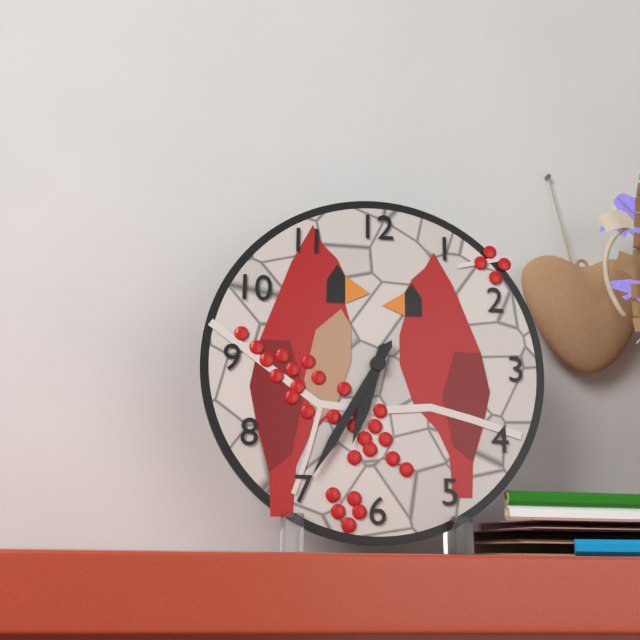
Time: {"hour": 6, "minute": 35}
